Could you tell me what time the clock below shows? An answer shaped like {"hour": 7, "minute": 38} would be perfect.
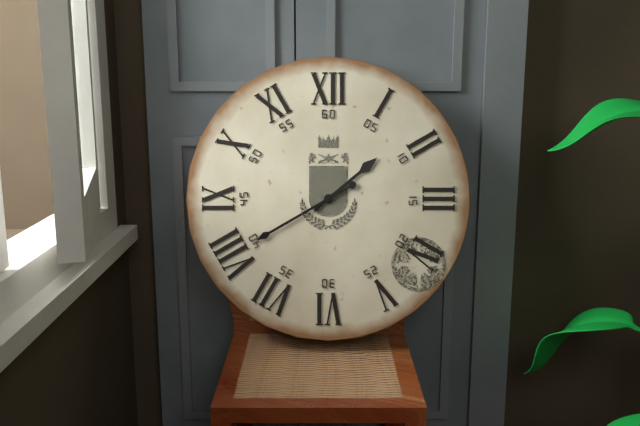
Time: {"hour": 1, "minute": 40}
